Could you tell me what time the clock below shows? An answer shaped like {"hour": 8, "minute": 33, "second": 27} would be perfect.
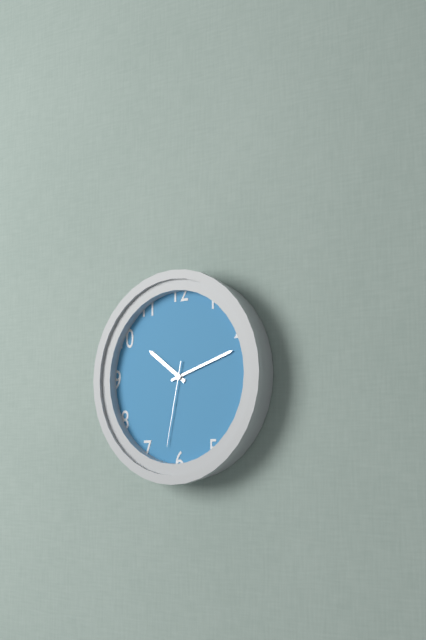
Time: {"hour": 10, "minute": 12, "second": 32}
